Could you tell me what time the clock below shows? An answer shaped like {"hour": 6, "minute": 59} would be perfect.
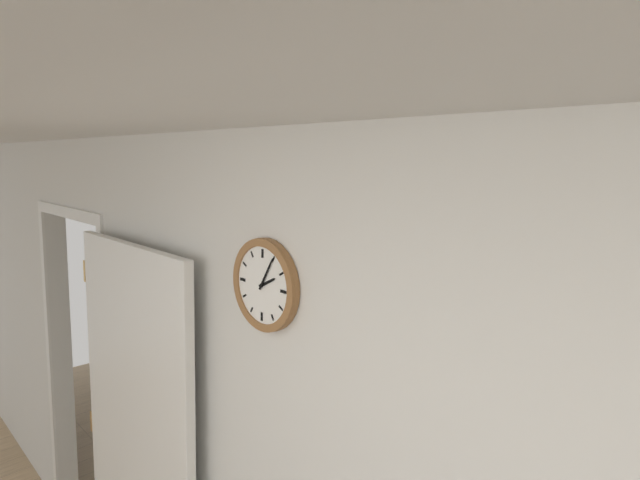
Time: {"hour": 2, "minute": 5}
